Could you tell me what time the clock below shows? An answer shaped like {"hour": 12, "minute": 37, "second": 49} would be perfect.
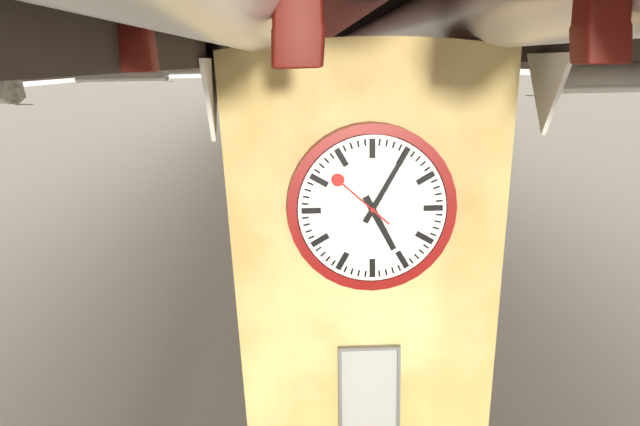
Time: {"hour": 5, "minute": 5, "second": 52}
